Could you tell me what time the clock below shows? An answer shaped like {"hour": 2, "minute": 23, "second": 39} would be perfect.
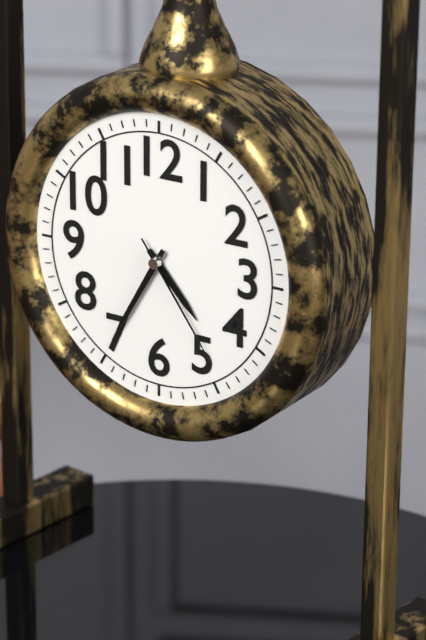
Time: {"hour": 4, "minute": 35, "second": 24}
